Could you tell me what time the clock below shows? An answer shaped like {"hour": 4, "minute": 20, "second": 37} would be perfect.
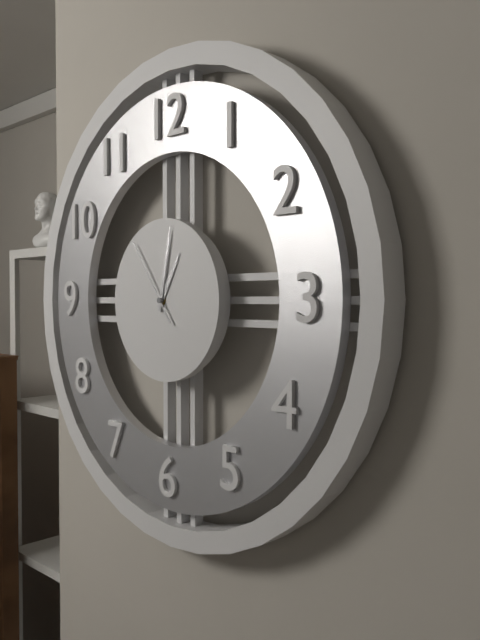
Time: {"hour": 1, "minute": 2, "second": 54}
